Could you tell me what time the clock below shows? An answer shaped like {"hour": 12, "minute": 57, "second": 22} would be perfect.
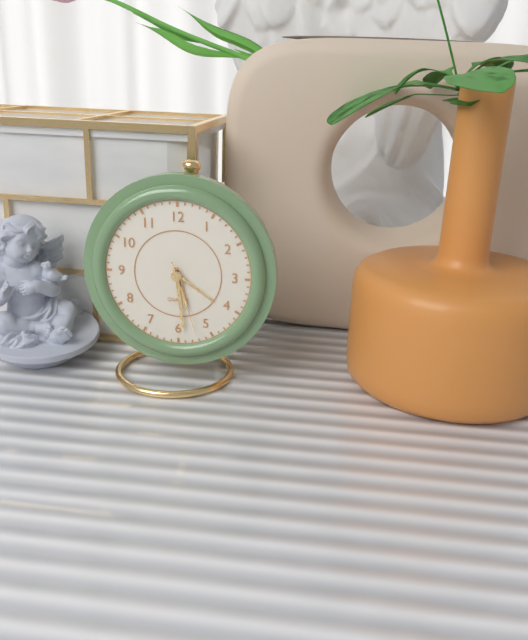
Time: {"hour": 5, "minute": 29, "second": 27}
